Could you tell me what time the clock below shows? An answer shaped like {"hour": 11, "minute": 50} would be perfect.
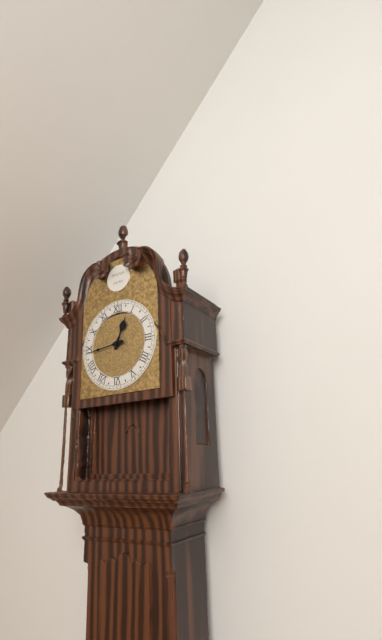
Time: {"hour": 12, "minute": 44}
